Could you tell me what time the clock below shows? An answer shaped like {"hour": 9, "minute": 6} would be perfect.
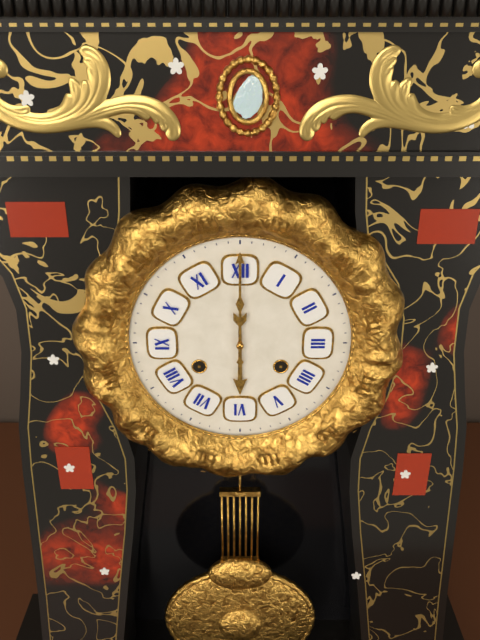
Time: {"hour": 6, "minute": 0}
